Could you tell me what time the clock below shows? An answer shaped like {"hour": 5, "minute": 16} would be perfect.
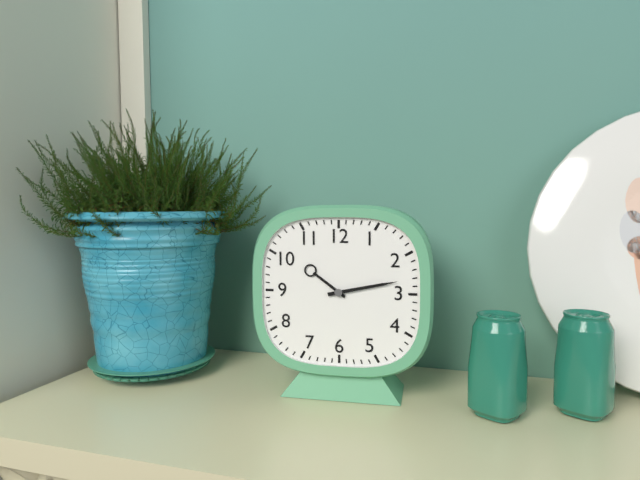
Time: {"hour": 10, "minute": 13}
